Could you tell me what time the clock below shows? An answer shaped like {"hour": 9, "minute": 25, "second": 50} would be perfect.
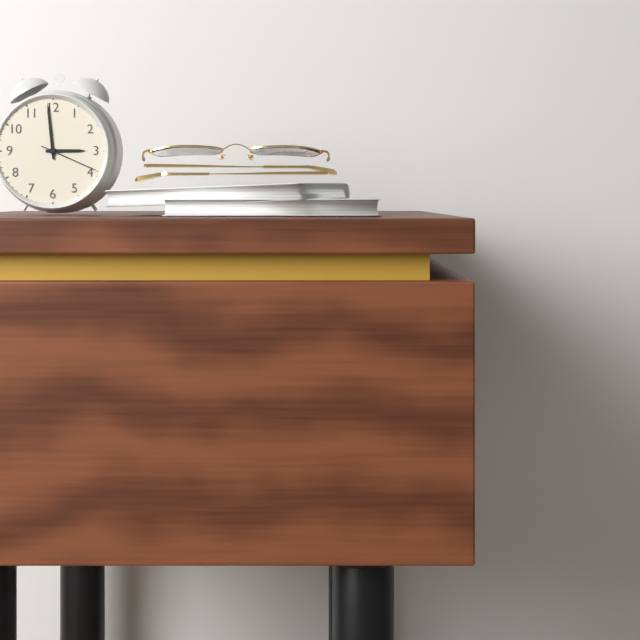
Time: {"hour": 2, "minute": 59, "second": 19}
